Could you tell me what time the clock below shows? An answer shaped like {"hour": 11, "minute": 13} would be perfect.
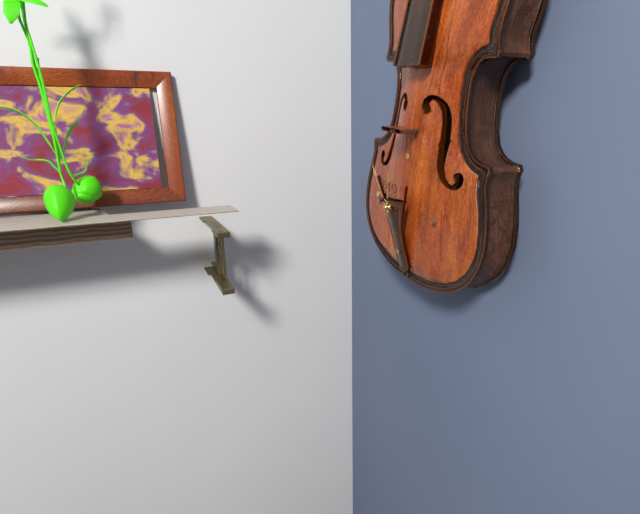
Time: {"hour": 11, "minute": 53}
